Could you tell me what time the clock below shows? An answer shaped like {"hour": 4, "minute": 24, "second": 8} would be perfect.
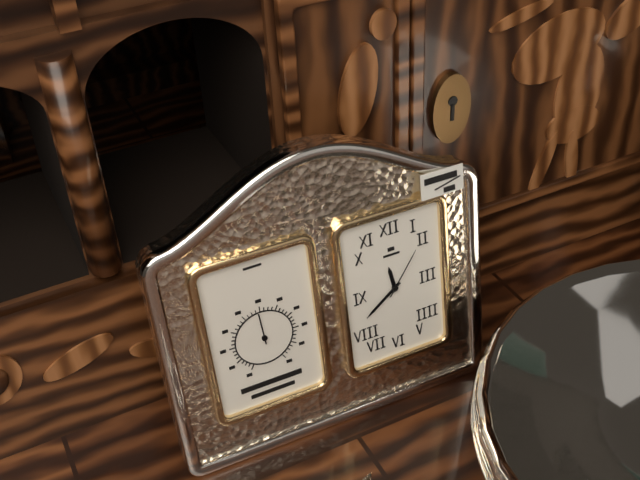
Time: {"hour": 11, "minute": 39, "second": 6}
